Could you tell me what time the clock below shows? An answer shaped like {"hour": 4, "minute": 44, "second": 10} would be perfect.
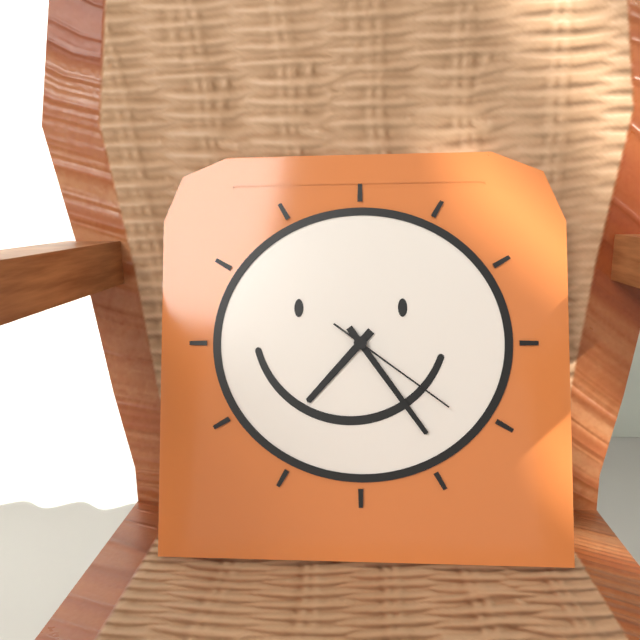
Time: {"hour": 7, "minute": 24, "second": 21}
